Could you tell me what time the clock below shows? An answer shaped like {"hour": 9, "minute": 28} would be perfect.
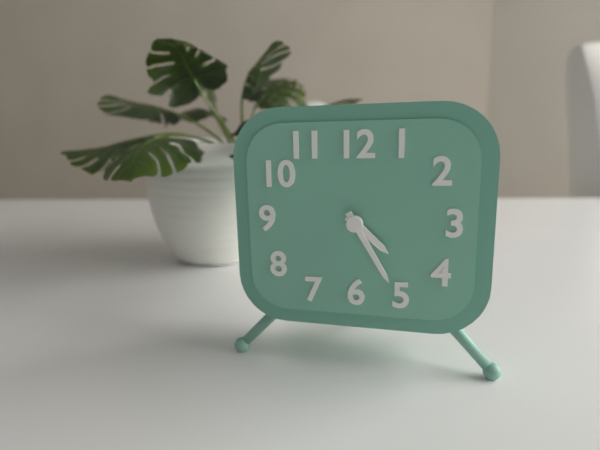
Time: {"hour": 4, "minute": 25}
